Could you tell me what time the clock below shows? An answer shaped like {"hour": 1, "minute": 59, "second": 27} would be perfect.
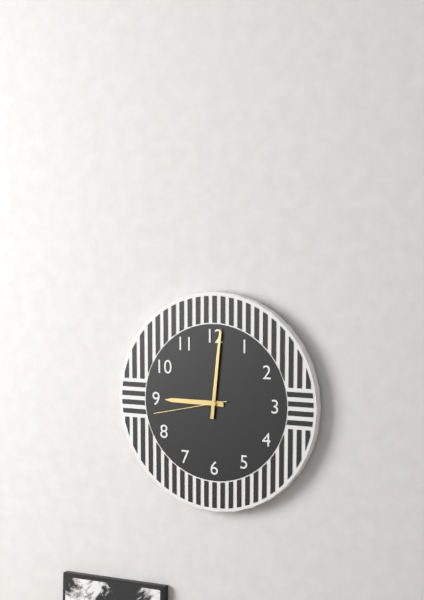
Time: {"hour": 9, "minute": 1, "second": 43}
